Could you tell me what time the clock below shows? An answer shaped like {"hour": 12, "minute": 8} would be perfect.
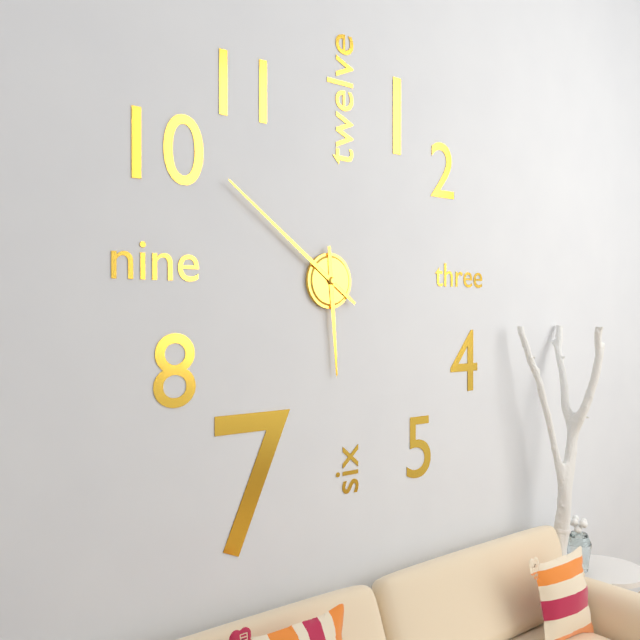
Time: {"hour": 5, "minute": 51}
